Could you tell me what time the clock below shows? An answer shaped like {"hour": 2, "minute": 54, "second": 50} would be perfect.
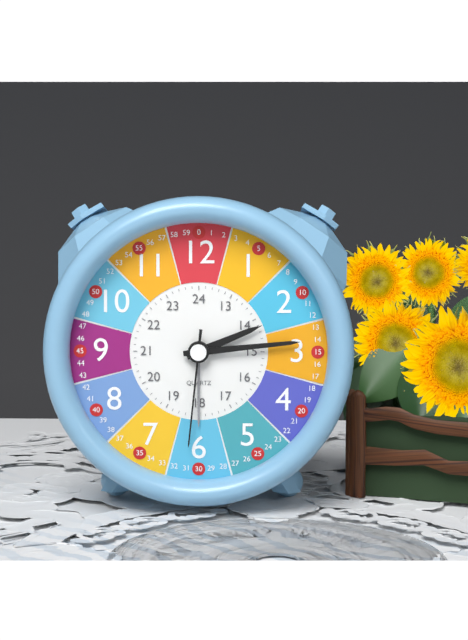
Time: {"hour": 2, "minute": 14, "second": 31}
